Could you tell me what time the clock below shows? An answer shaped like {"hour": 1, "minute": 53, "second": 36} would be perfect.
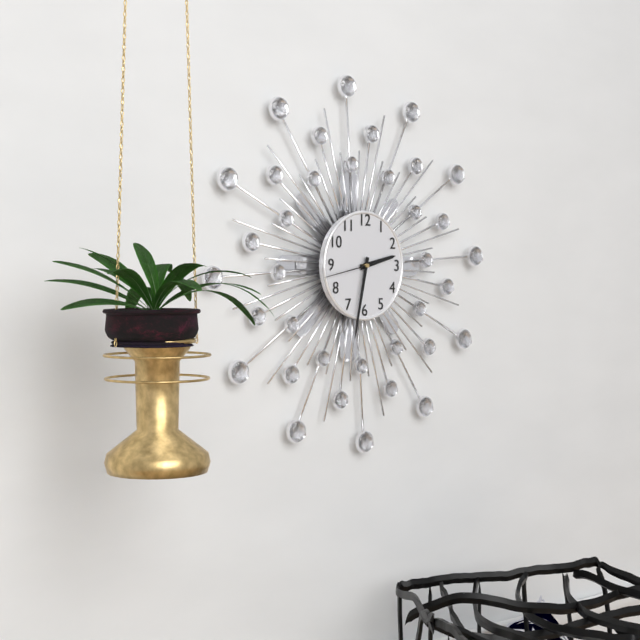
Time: {"hour": 2, "minute": 32, "second": 43}
